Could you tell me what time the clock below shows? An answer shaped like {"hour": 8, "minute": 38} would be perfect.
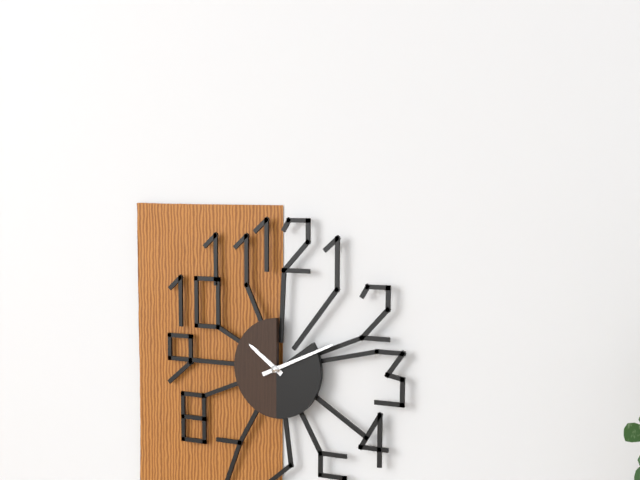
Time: {"hour": 10, "minute": 11}
